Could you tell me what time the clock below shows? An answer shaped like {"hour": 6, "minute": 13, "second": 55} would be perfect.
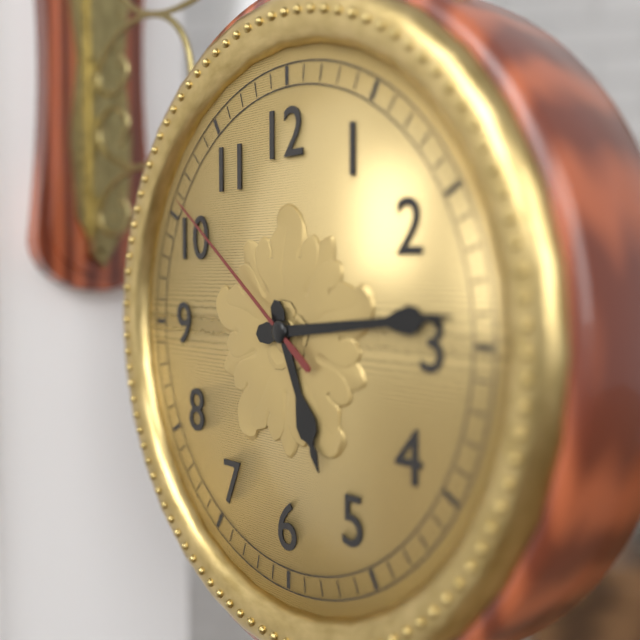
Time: {"hour": 5, "minute": 14, "second": 51}
